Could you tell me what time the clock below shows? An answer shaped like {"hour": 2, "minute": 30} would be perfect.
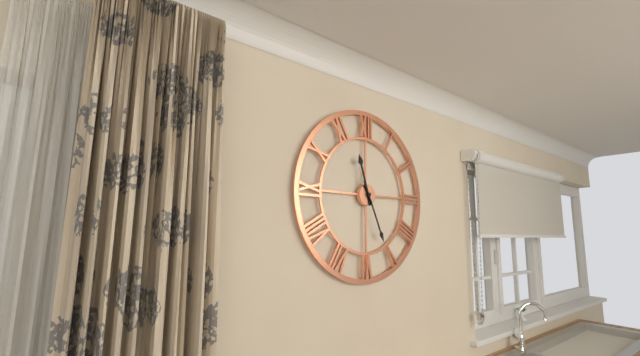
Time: {"hour": 11, "minute": 26}
